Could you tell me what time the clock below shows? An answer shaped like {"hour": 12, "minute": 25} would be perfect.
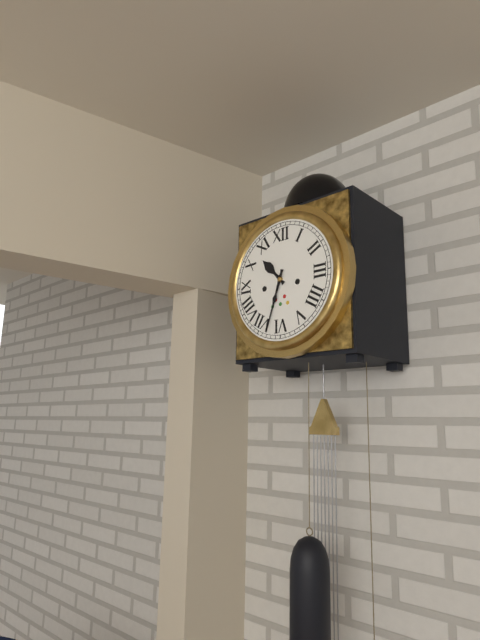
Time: {"hour": 10, "minute": 33}
